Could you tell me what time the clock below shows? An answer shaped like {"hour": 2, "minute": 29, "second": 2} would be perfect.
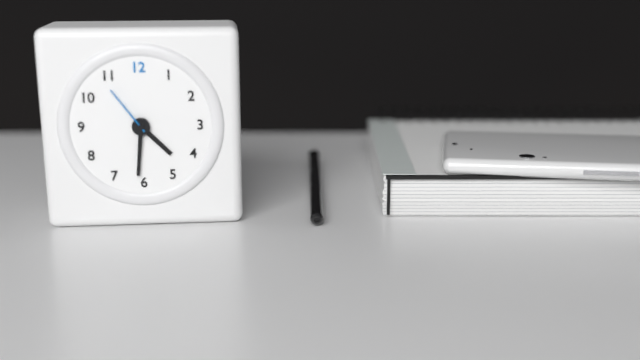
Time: {"hour": 4, "minute": 31, "second": 54}
